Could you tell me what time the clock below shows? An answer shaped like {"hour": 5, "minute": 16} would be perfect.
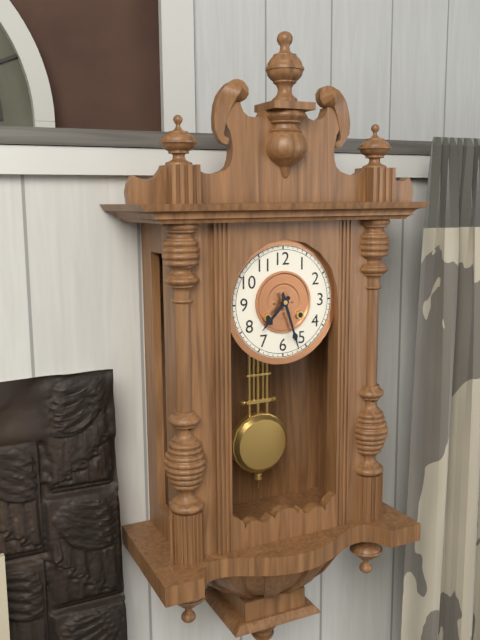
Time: {"hour": 7, "minute": 27}
